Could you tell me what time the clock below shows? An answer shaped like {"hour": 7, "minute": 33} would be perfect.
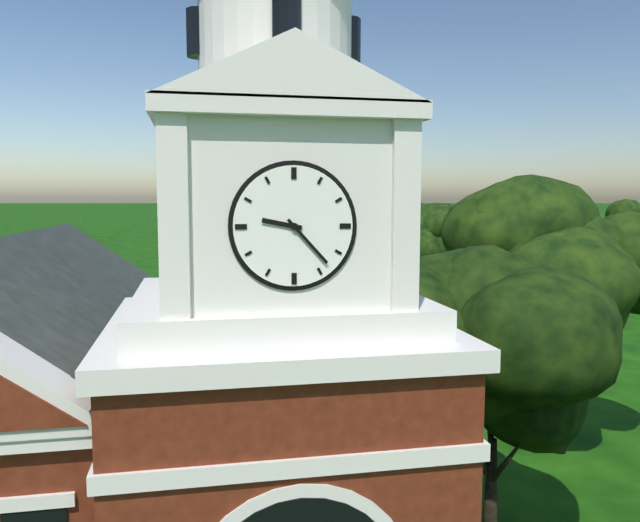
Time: {"hour": 9, "minute": 23}
